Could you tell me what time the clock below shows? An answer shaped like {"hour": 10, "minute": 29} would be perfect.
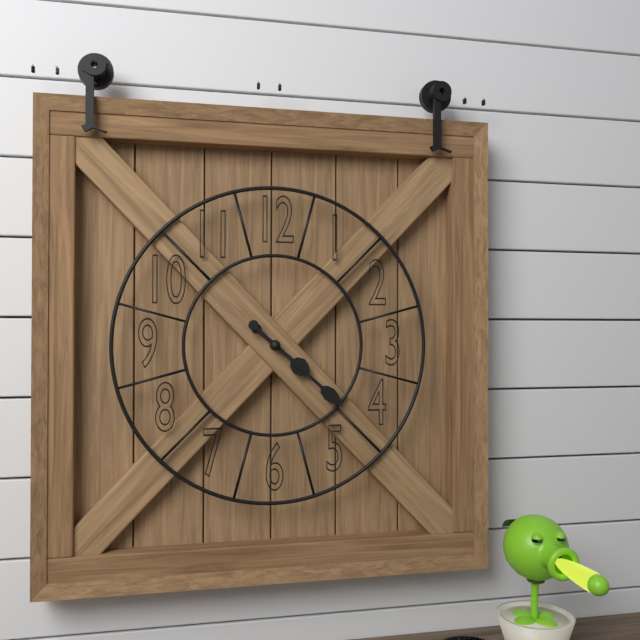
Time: {"hour": 4, "minute": 22}
